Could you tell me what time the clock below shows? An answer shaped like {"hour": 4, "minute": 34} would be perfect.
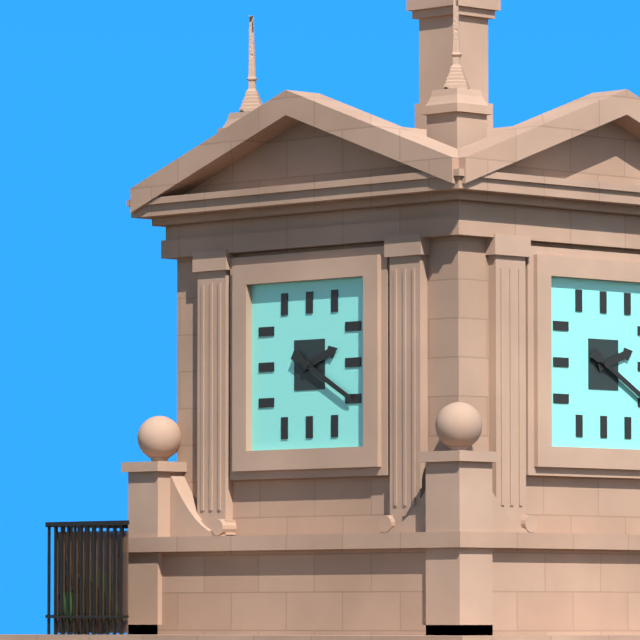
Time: {"hour": 2, "minute": 20}
